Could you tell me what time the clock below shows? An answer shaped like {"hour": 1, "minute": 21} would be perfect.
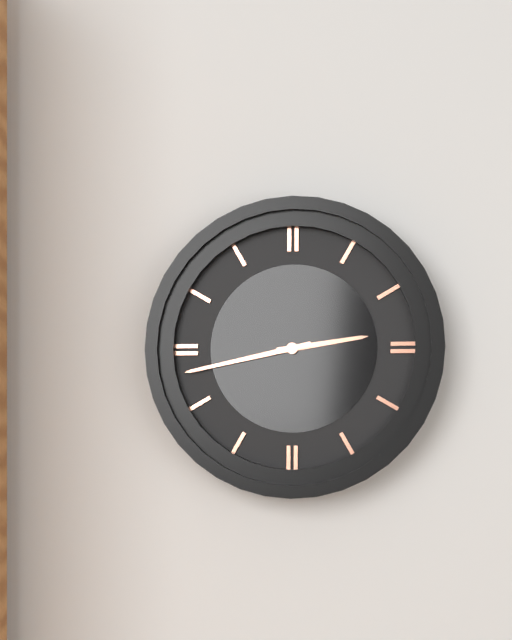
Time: {"hour": 2, "minute": 43}
